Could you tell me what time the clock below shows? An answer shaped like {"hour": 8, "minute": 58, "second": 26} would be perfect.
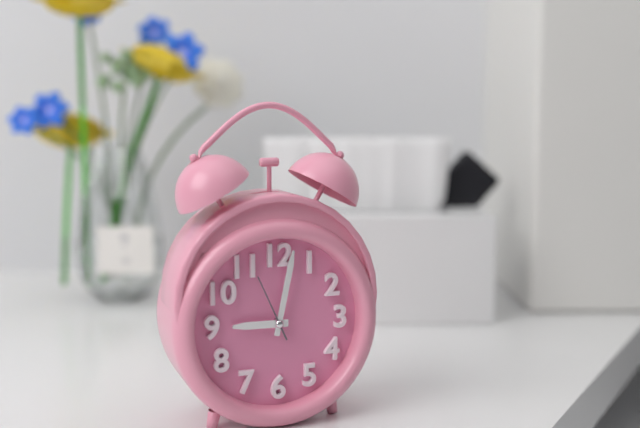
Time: {"hour": 9, "minute": 2, "second": 56}
